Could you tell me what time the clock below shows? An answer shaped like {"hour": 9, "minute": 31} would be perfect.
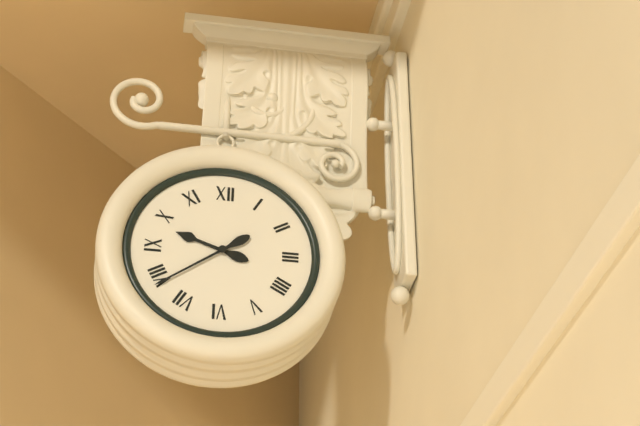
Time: {"hour": 9, "minute": 39}
